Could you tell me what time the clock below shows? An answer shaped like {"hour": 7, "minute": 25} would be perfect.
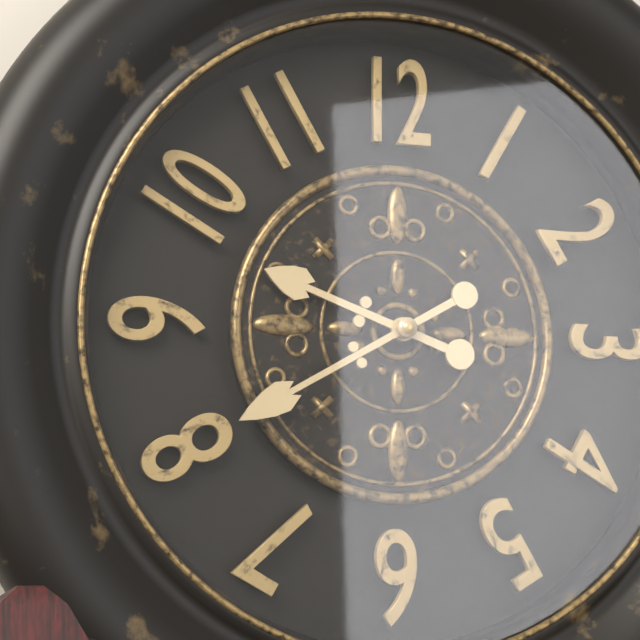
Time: {"hour": 9, "minute": 40}
